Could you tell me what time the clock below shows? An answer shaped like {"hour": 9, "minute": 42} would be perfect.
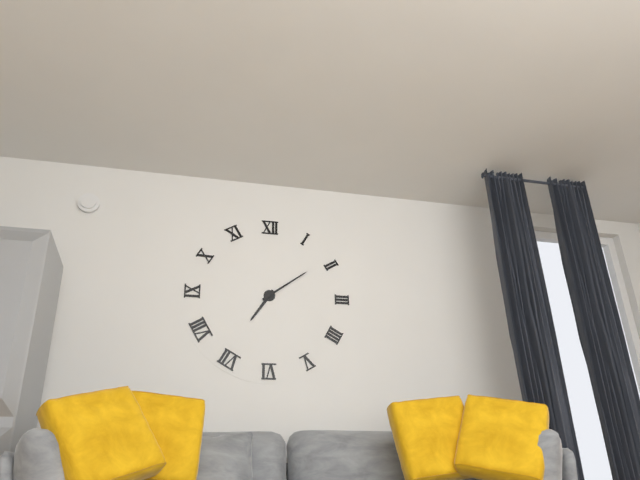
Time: {"hour": 7, "minute": 9}
